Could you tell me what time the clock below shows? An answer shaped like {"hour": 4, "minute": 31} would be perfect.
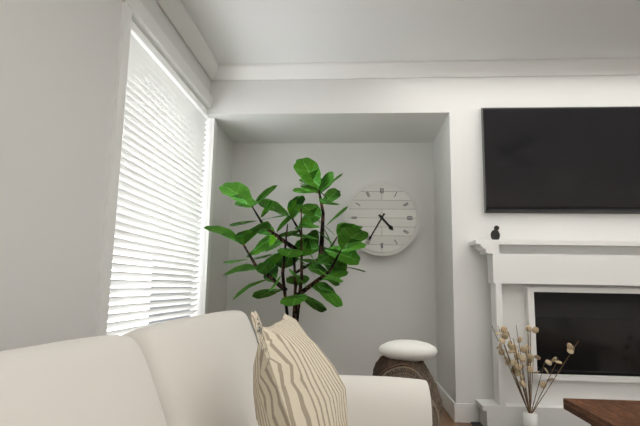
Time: {"hour": 4, "minute": 35}
